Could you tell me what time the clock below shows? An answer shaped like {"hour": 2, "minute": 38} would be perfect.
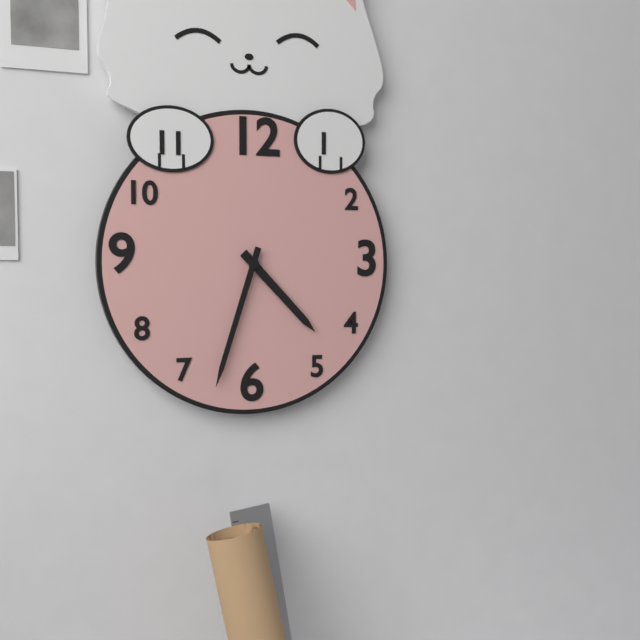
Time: {"hour": 4, "minute": 33}
